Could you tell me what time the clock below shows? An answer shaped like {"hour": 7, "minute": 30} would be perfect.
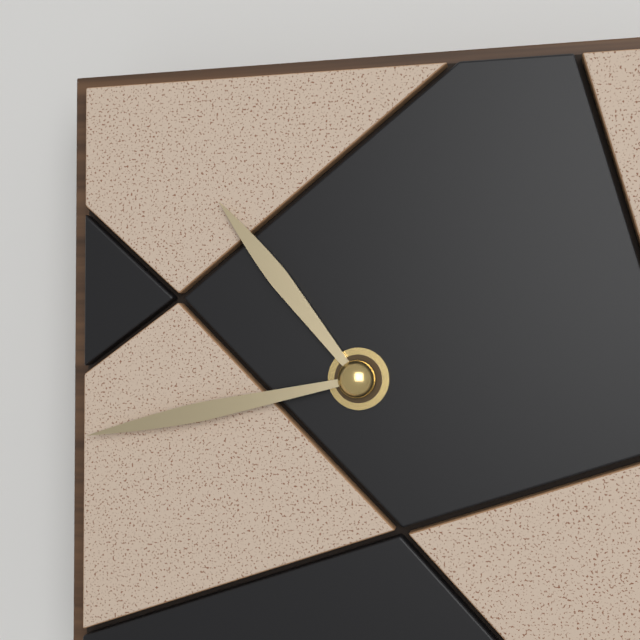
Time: {"hour": 10, "minute": 43}
